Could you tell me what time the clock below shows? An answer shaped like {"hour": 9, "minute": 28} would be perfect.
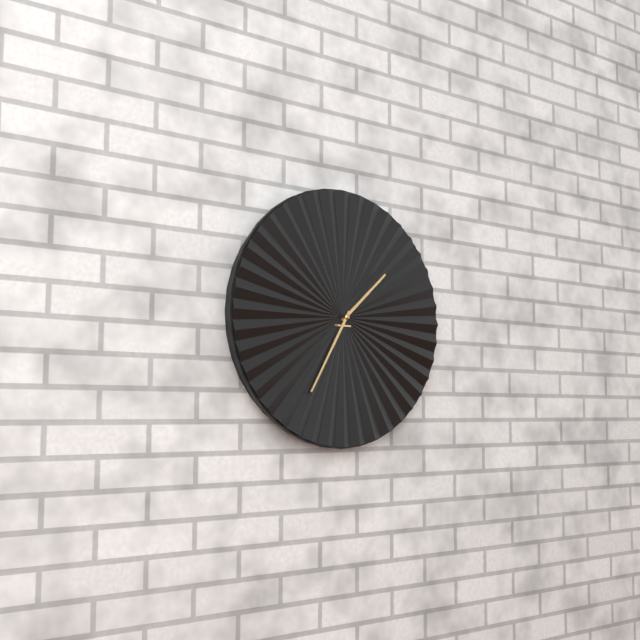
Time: {"hour": 1, "minute": 35}
